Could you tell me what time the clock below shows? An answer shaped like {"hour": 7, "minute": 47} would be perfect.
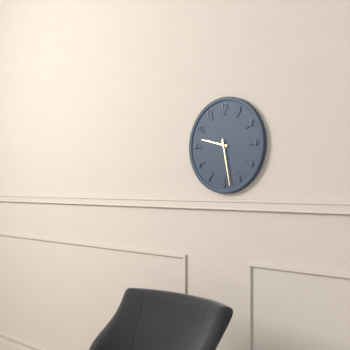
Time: {"hour": 9, "minute": 28}
